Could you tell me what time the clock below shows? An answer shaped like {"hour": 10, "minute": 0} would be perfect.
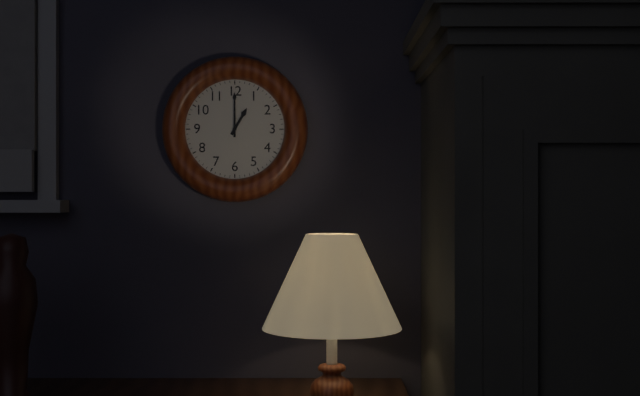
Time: {"hour": 1, "minute": 0}
